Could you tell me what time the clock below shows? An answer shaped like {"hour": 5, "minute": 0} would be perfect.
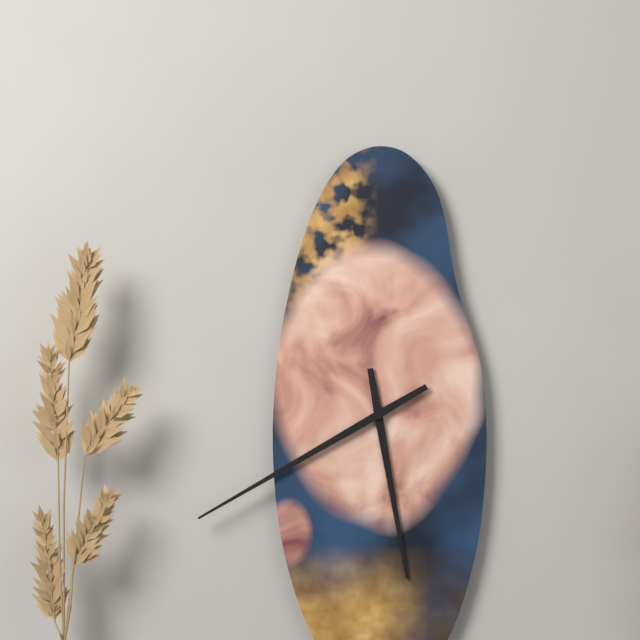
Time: {"hour": 5, "minute": 40}
